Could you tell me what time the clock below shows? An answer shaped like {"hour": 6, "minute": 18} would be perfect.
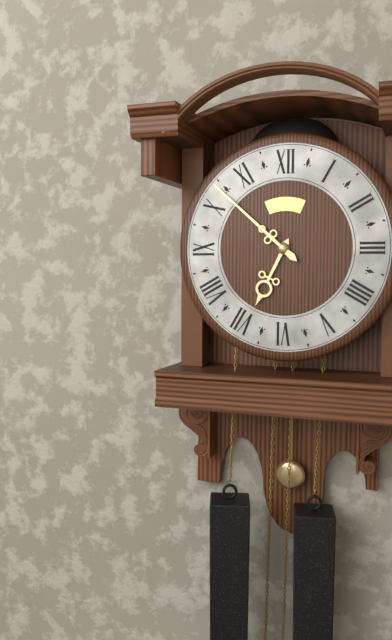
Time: {"hour": 6, "minute": 52}
